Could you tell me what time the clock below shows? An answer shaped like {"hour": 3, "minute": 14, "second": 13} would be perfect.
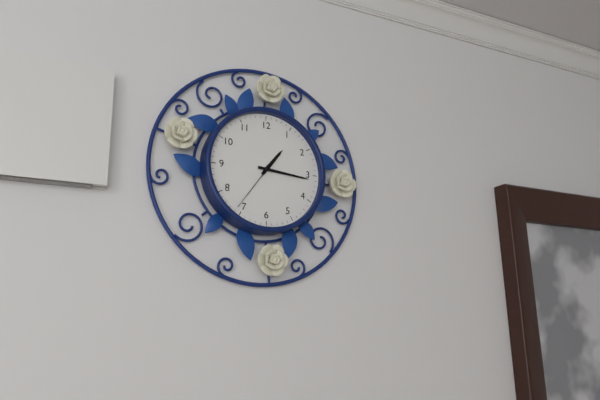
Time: {"hour": 1, "minute": 16, "second": 36}
